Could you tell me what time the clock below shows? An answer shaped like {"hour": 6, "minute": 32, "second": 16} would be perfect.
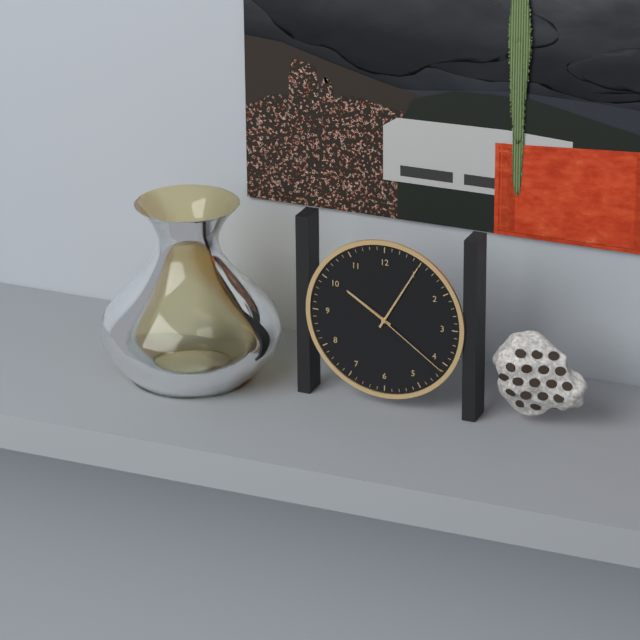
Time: {"hour": 10, "minute": 5, "second": 21}
